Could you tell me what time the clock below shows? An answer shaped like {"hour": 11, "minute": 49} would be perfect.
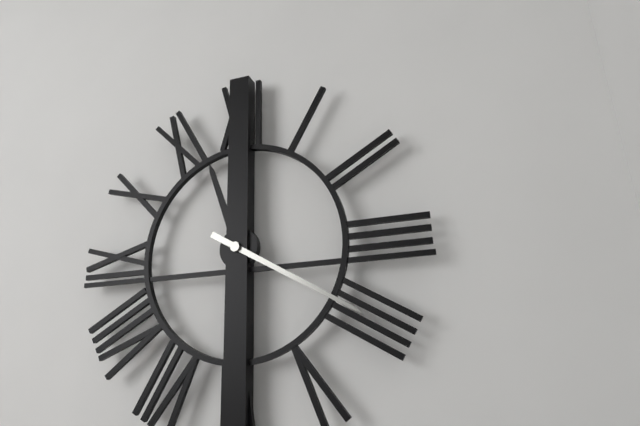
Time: {"hour": 11, "minute": 20}
